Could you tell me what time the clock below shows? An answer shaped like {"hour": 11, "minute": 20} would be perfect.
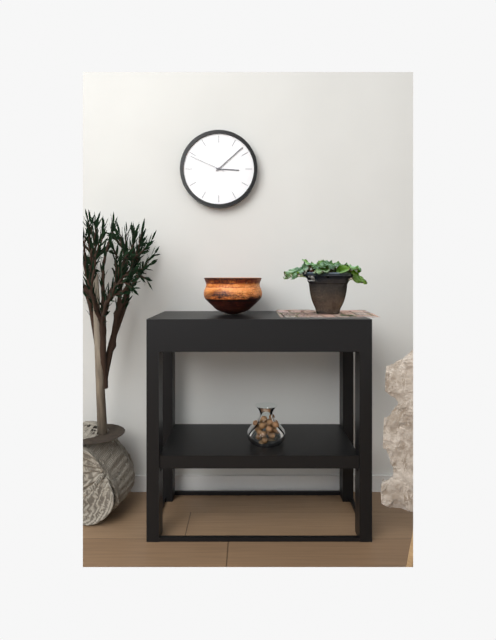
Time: {"hour": 3, "minute": 8}
